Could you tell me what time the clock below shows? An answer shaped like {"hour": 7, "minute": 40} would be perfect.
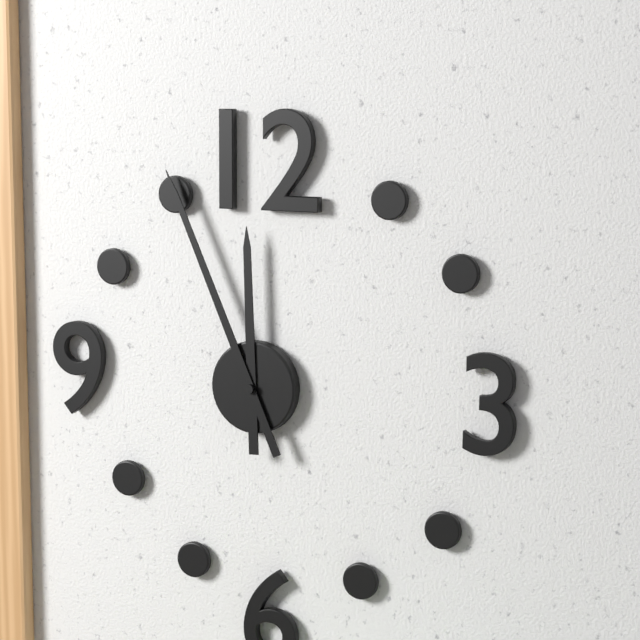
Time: {"hour": 11, "minute": 56}
